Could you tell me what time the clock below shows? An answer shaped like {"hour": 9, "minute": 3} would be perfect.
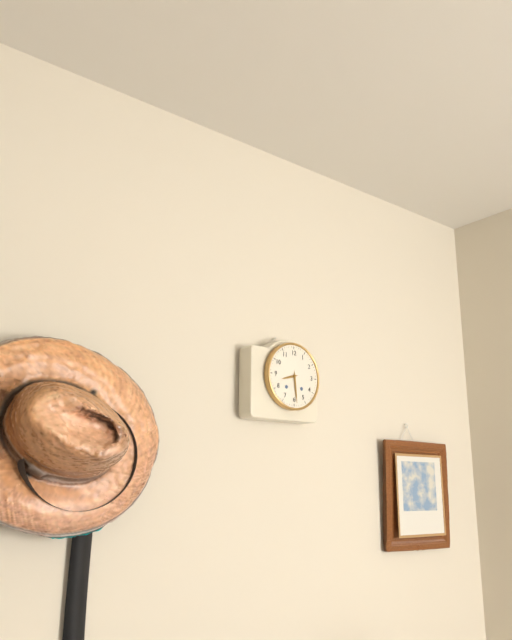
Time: {"hour": 8, "minute": 29}
